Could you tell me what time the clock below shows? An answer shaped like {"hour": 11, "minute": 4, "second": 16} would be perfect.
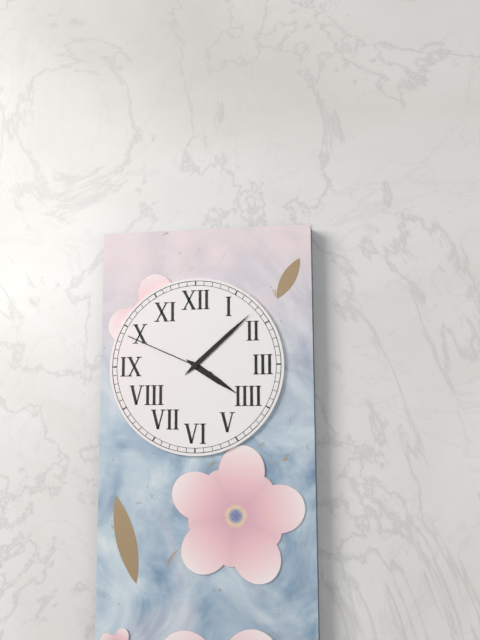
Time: {"hour": 4, "minute": 8, "second": 49}
